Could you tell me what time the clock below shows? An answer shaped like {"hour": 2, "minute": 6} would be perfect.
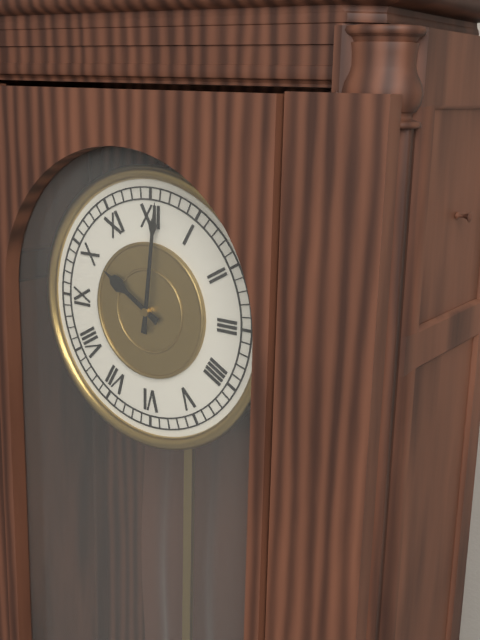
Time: {"hour": 10, "minute": 1}
